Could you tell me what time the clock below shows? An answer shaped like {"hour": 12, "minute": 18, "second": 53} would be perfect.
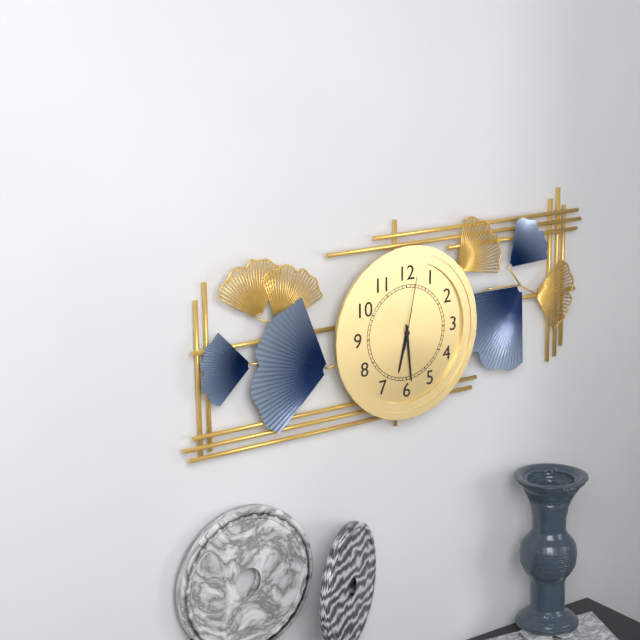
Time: {"hour": 6, "minute": 29, "second": 2}
